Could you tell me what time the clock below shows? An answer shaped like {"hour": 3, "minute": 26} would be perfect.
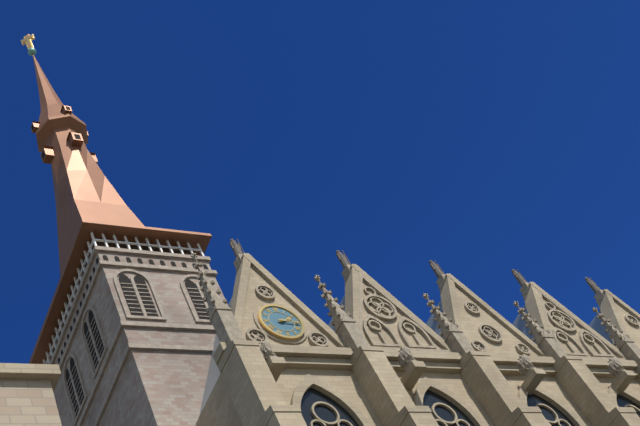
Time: {"hour": 2, "minute": 16}
